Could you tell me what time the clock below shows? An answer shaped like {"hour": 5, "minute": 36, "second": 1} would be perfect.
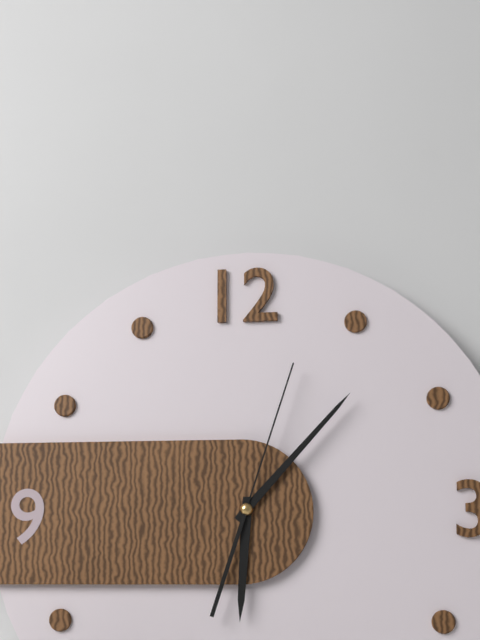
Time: {"hour": 6, "minute": 7, "second": 3}
